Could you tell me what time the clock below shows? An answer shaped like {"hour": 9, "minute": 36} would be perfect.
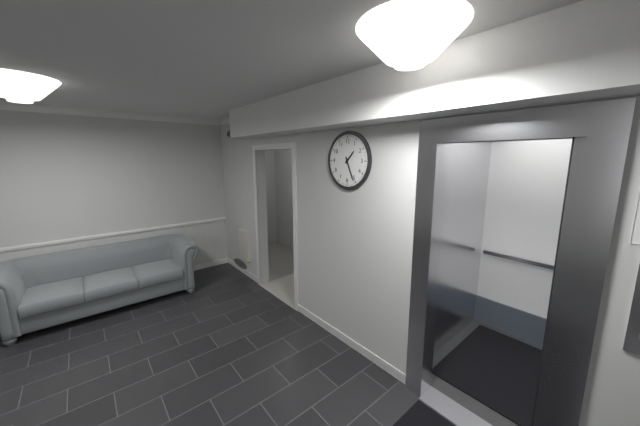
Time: {"hour": 1, "minute": 26}
